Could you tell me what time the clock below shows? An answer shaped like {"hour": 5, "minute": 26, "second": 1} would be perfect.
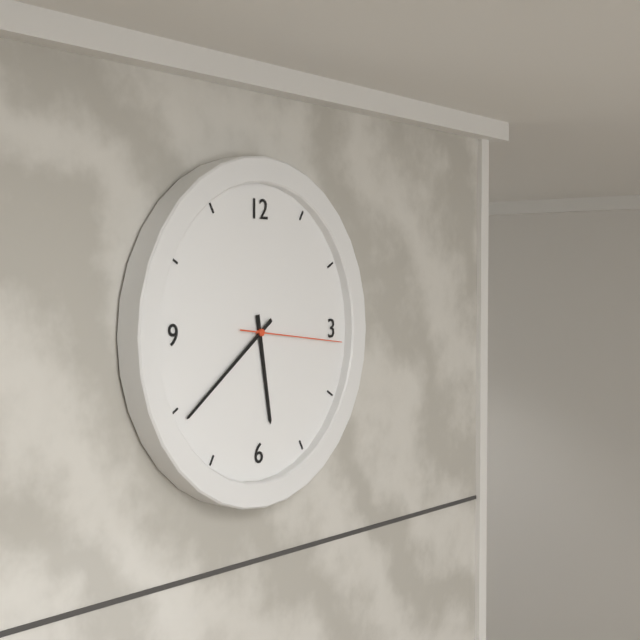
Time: {"hour": 5, "minute": 39, "second": 16}
